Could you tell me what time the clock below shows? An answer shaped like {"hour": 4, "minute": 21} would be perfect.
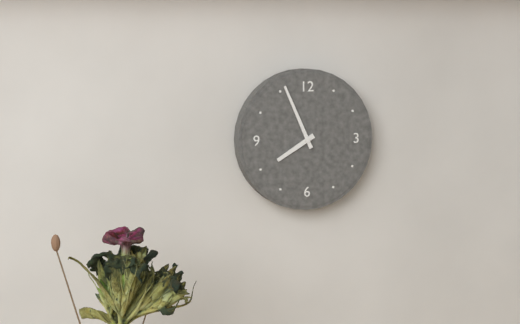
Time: {"hour": 7, "minute": 56}
